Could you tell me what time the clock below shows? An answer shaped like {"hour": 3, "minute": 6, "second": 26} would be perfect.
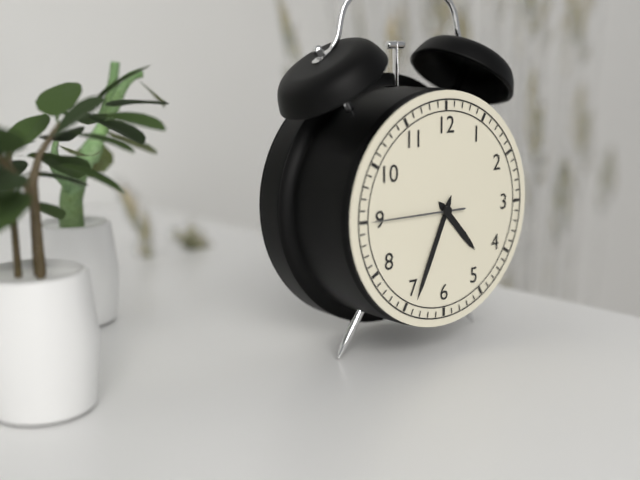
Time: {"hour": 4, "minute": 34, "second": 45}
